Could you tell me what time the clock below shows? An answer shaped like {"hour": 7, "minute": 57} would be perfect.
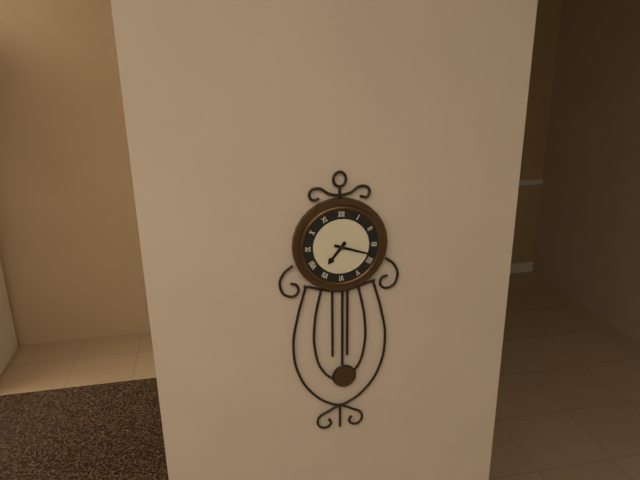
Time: {"hour": 7, "minute": 18}
